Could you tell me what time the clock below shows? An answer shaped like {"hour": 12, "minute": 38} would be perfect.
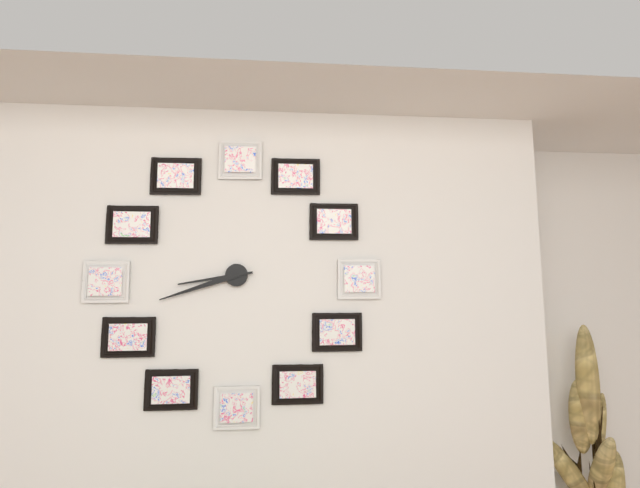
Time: {"hour": 8, "minute": 42}
